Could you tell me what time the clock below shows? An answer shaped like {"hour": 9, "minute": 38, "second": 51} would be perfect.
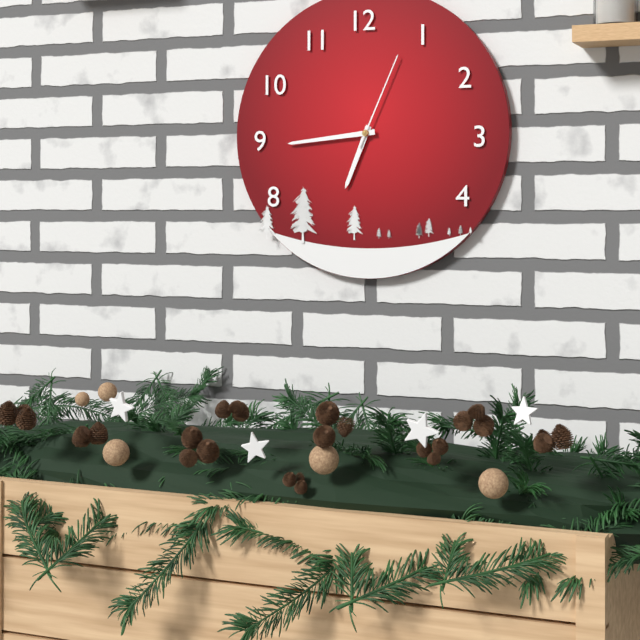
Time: {"hour": 6, "minute": 44, "second": 4}
